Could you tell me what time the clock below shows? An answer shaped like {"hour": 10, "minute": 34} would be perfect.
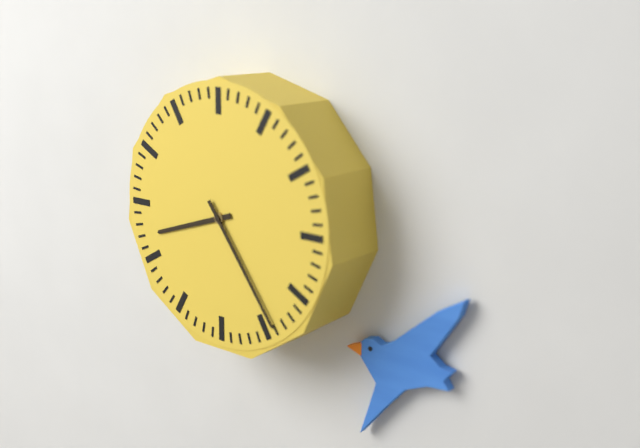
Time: {"hour": 8, "minute": 24}
